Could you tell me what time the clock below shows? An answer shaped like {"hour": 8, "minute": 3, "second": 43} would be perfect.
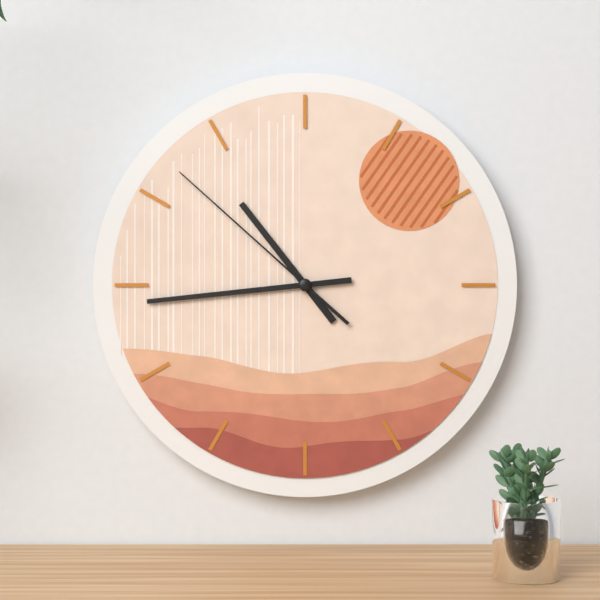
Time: {"hour": 10, "minute": 44, "second": 52}
